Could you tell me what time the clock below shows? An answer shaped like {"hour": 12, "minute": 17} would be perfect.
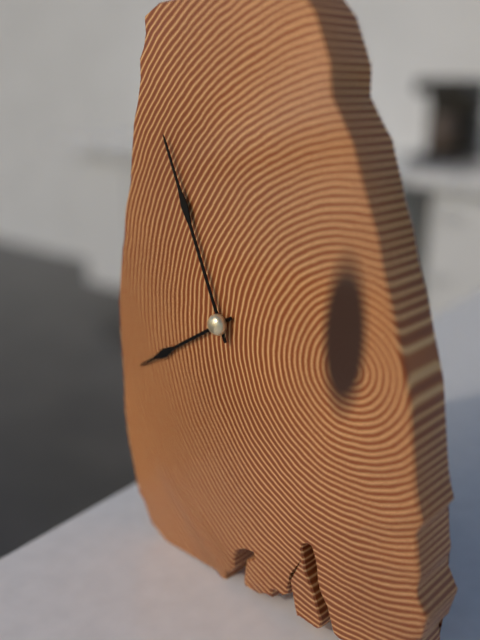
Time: {"hour": 7, "minute": 56}
